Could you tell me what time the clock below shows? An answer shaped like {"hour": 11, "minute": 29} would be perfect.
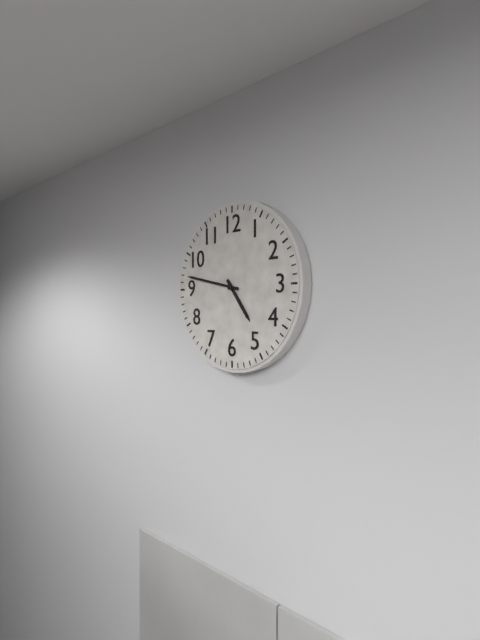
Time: {"hour": 4, "minute": 47}
